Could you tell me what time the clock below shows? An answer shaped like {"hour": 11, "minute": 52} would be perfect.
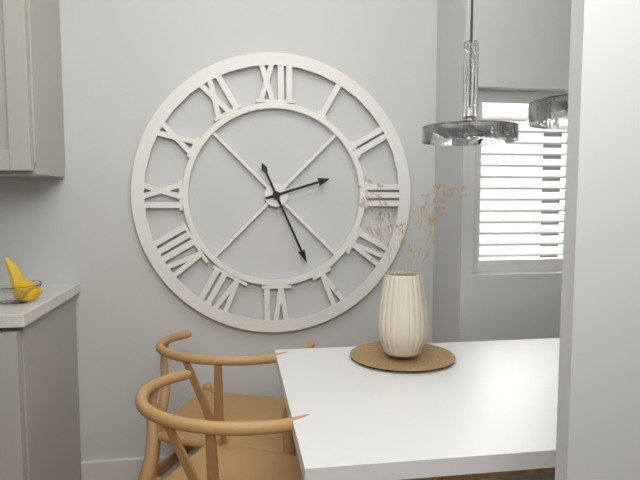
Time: {"hour": 2, "minute": 26}
